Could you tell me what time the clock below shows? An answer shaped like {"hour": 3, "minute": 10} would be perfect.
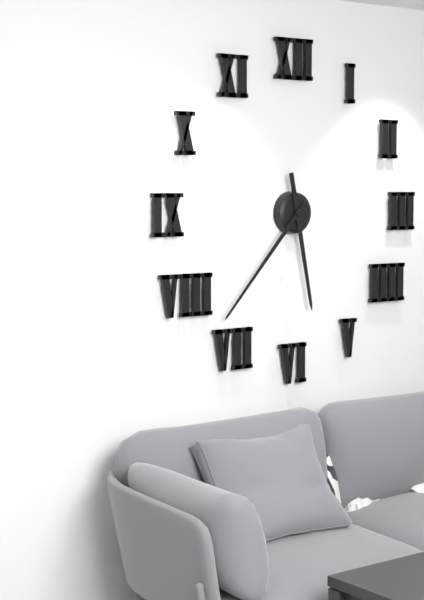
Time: {"hour": 5, "minute": 37}
